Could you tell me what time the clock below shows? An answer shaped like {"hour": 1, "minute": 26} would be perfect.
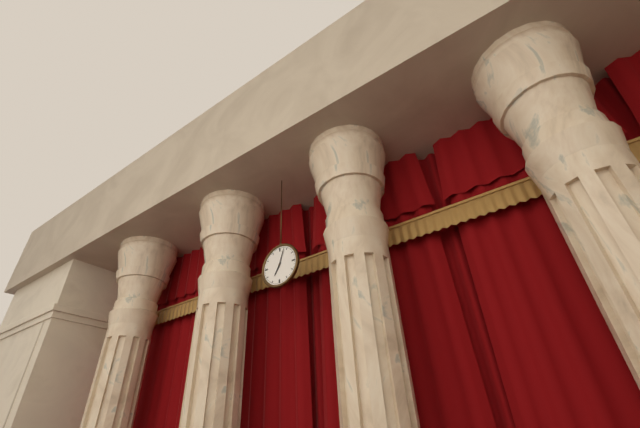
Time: {"hour": 7, "minute": 3}
